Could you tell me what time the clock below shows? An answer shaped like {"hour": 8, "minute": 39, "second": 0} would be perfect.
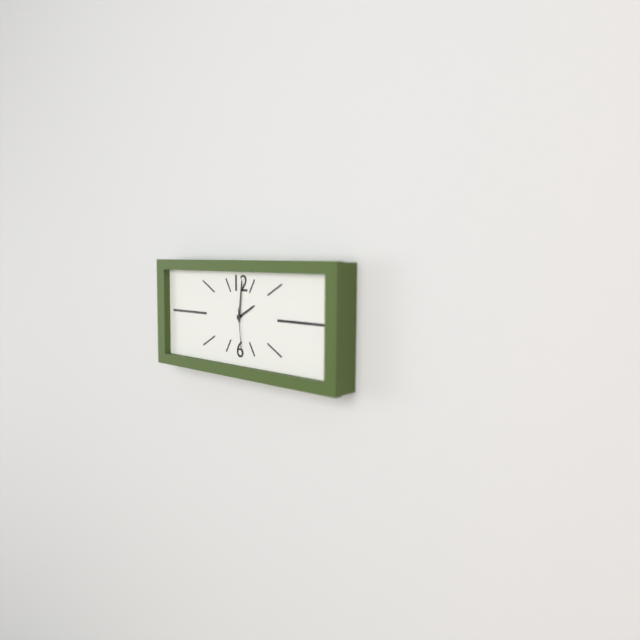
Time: {"hour": 2, "minute": 1, "second": 29}
